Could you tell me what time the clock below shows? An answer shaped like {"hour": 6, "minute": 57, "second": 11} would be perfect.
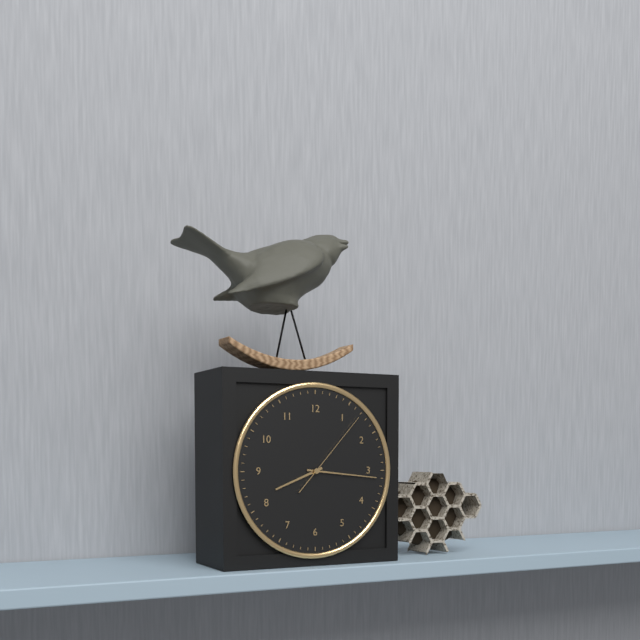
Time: {"hour": 8, "minute": 16, "second": 7}
